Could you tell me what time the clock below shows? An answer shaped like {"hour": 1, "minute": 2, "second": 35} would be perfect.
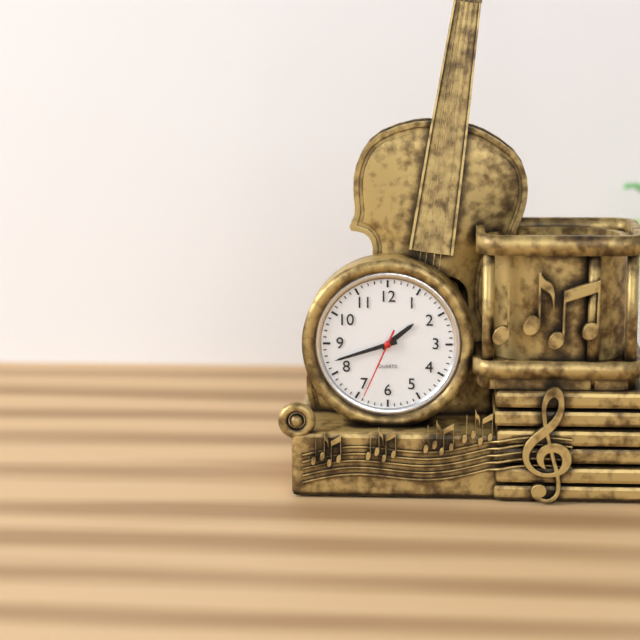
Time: {"hour": 1, "minute": 42, "second": 34}
